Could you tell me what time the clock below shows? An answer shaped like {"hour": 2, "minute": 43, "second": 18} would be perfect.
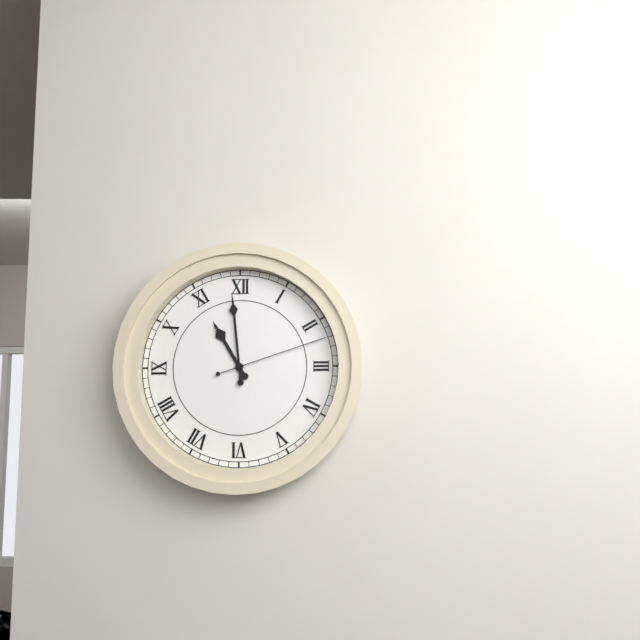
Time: {"hour": 10, "minute": 59, "second": 12}
